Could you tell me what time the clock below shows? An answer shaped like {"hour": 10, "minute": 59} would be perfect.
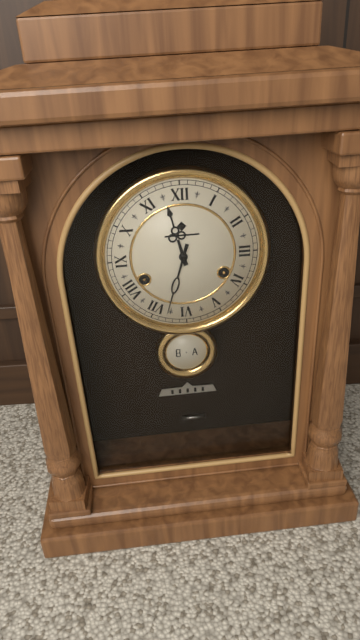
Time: {"hour": 11, "minute": 33}
